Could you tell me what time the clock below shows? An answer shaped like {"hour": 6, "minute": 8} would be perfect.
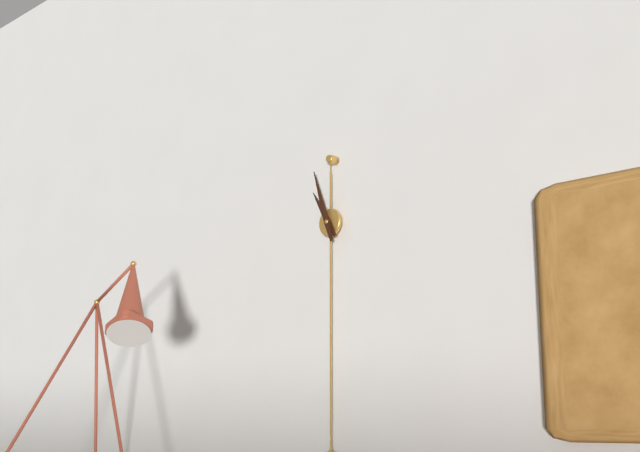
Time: {"hour": 10, "minute": 57}
